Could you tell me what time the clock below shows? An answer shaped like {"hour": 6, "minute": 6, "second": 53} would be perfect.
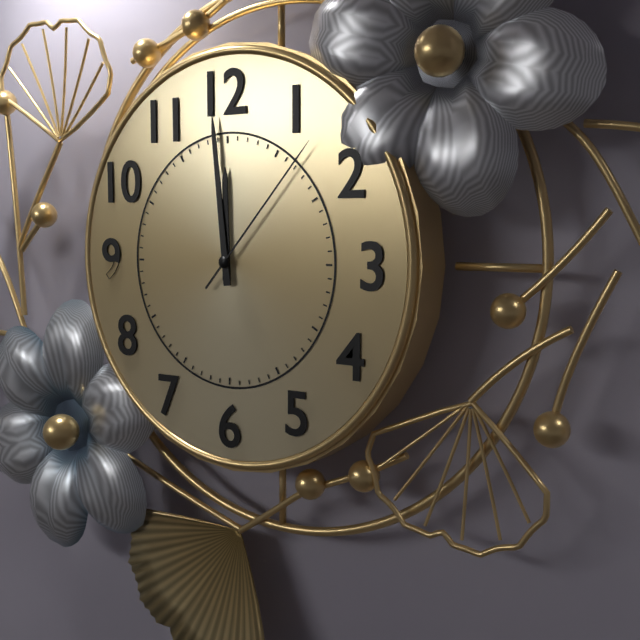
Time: {"hour": 11, "minute": 59, "second": 7}
